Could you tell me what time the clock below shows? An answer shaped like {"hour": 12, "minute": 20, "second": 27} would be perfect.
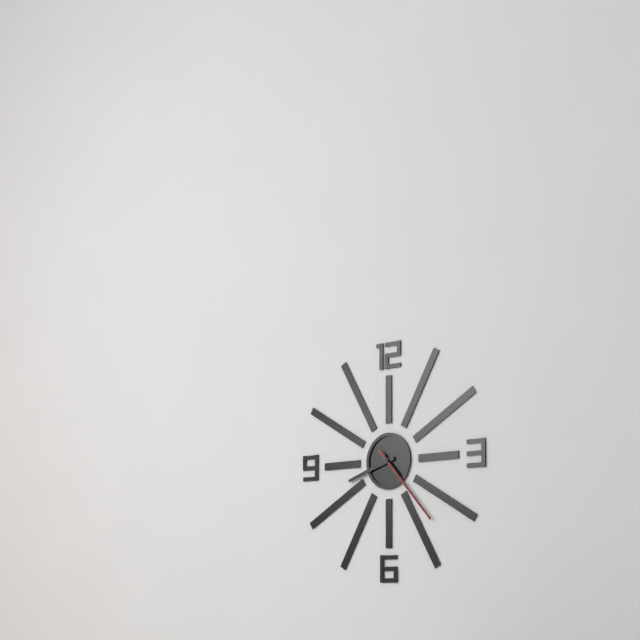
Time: {"hour": 8, "minute": 23, "second": 23}
